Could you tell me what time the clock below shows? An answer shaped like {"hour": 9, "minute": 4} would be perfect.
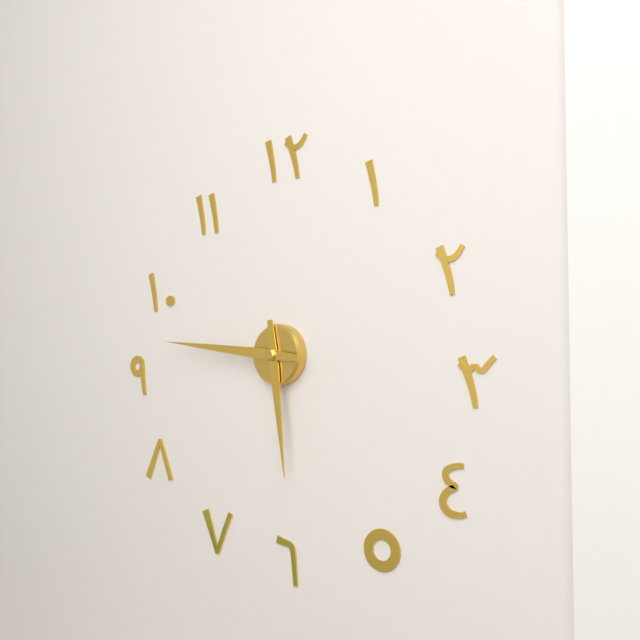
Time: {"hour": 5, "minute": 46}
